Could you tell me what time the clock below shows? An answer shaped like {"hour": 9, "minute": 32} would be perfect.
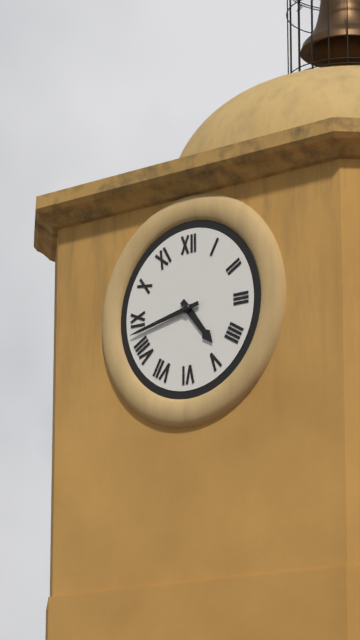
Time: {"hour": 4, "minute": 43}
